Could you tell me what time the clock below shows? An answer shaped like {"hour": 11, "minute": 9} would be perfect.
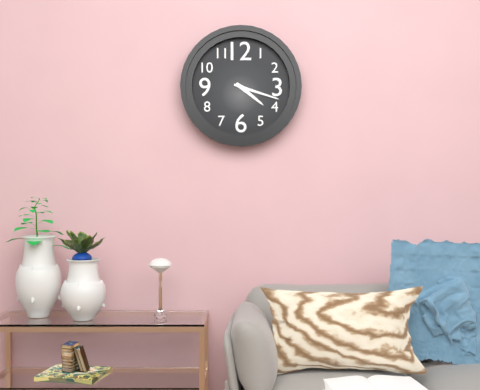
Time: {"hour": 4, "minute": 18}
